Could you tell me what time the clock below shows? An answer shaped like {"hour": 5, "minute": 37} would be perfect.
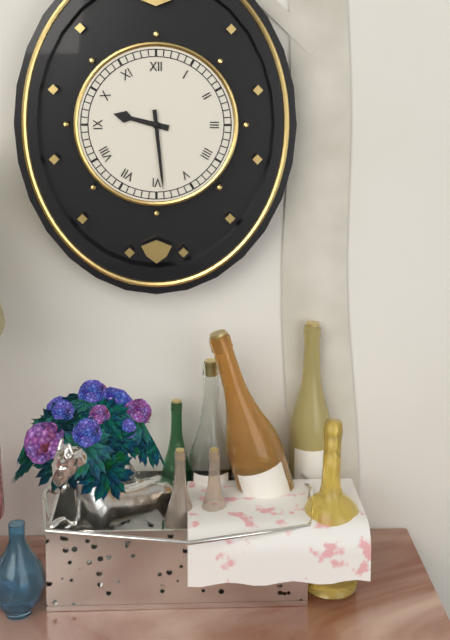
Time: {"hour": 9, "minute": 29}
